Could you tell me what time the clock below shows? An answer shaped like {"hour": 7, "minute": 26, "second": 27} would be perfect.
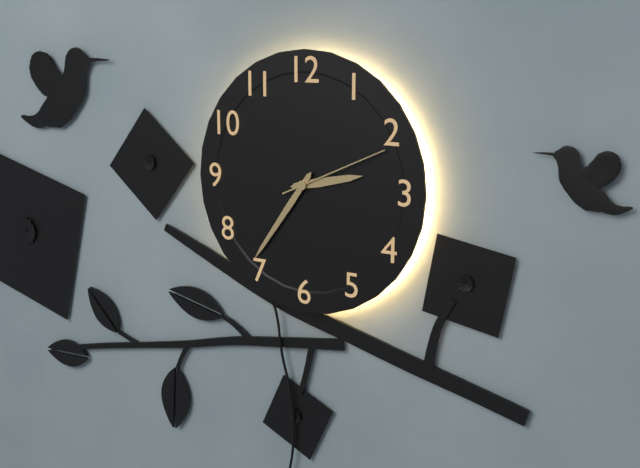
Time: {"hour": 2, "minute": 36, "second": 11}
